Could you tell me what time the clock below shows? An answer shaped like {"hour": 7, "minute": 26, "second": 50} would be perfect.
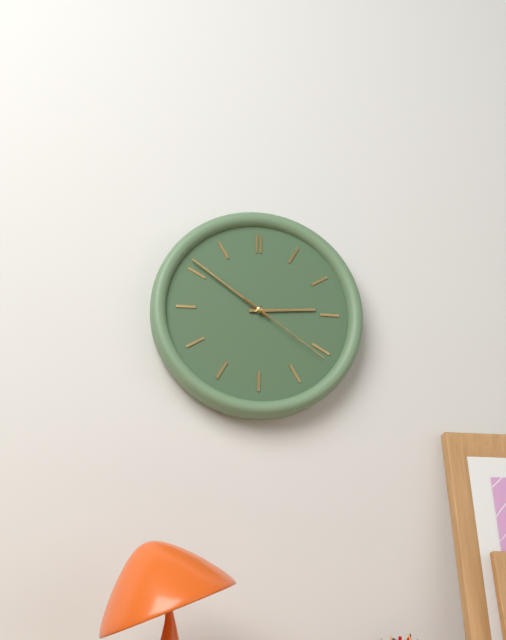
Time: {"hour": 2, "minute": 51, "second": 21}
